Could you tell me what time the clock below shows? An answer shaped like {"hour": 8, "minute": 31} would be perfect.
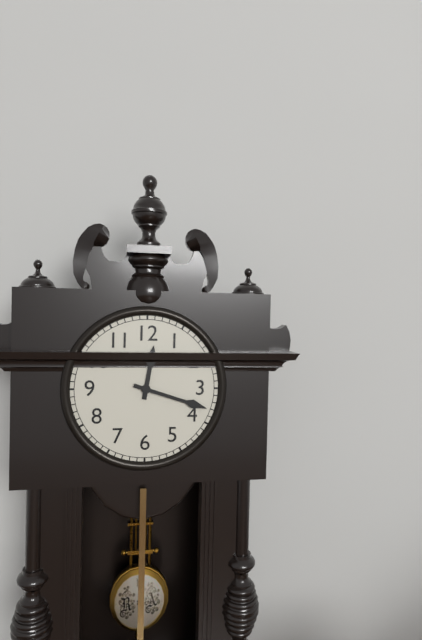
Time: {"hour": 12, "minute": 18}
